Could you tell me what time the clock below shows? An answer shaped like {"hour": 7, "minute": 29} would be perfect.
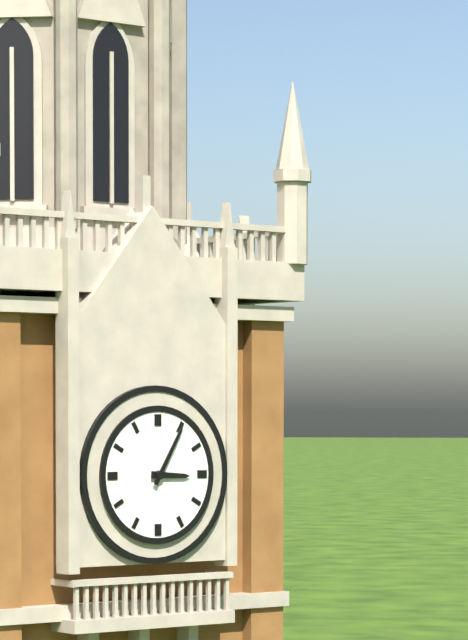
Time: {"hour": 3, "minute": 5}
